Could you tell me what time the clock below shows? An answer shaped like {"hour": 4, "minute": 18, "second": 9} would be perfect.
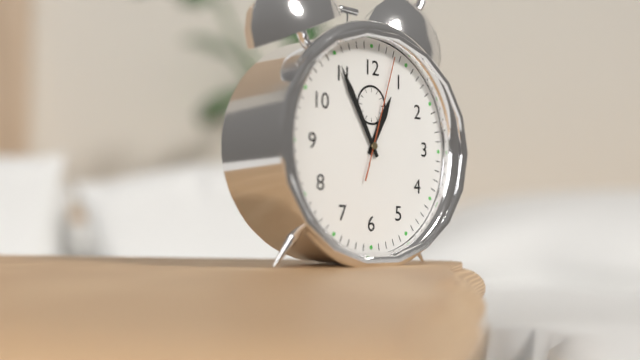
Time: {"hour": 12, "minute": 55, "second": 3}
